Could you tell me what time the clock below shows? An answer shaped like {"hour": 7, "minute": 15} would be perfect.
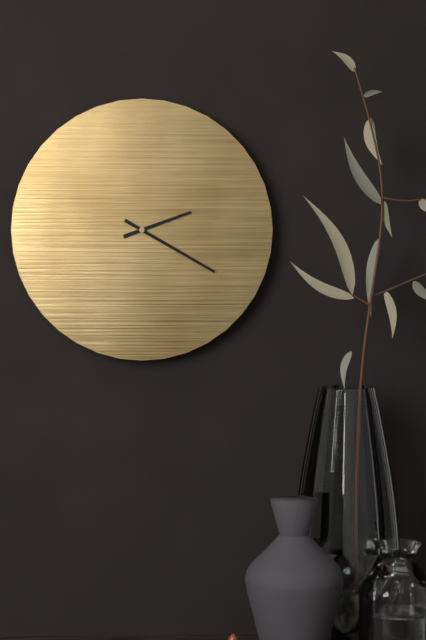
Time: {"hour": 2, "minute": 20}
